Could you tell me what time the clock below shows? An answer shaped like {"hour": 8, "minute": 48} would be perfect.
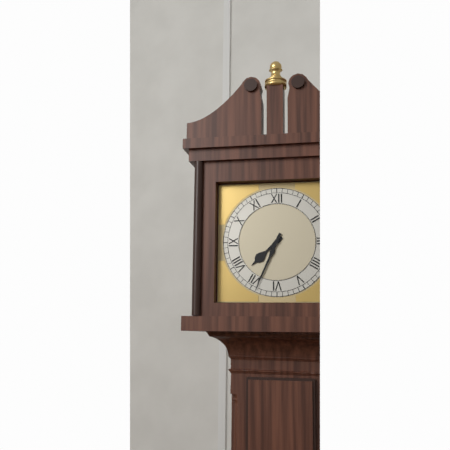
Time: {"hour": 7, "minute": 34}
